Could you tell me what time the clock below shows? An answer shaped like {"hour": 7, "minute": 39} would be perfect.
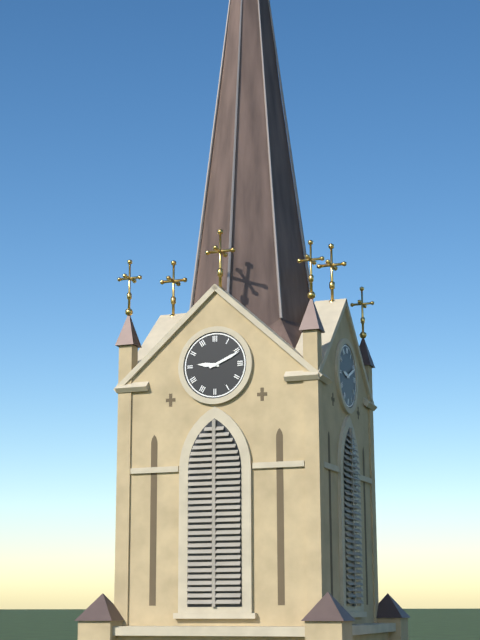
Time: {"hour": 9, "minute": 11}
